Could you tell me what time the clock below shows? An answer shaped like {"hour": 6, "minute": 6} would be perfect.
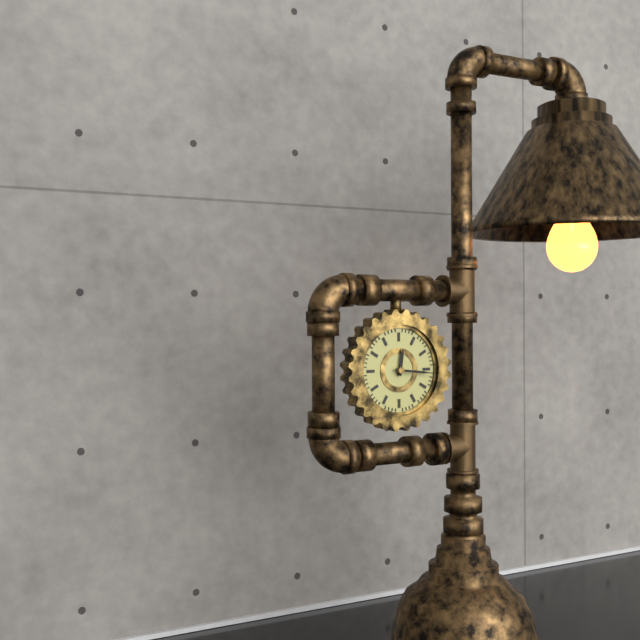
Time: {"hour": 12, "minute": 16}
